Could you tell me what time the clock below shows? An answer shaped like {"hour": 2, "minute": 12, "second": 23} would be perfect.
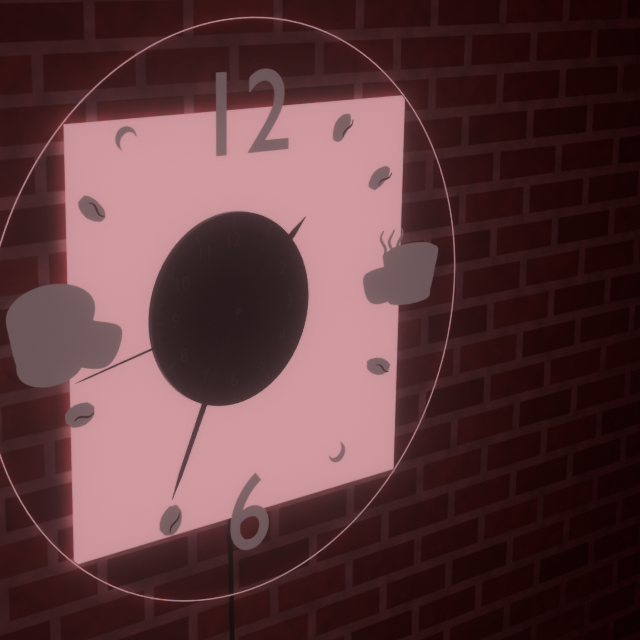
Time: {"hour": 1, "minute": 34, "second": 43}
